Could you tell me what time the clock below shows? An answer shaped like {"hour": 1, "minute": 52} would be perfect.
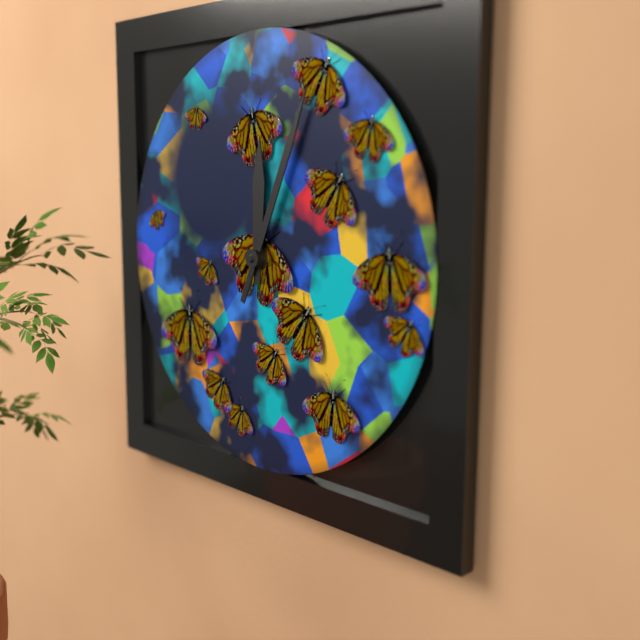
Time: {"hour": 12, "minute": 4}
